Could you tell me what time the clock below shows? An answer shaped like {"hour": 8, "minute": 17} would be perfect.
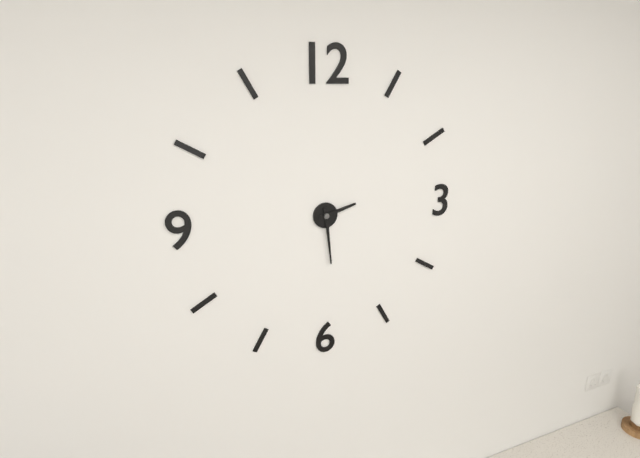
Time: {"hour": 2, "minute": 29}
